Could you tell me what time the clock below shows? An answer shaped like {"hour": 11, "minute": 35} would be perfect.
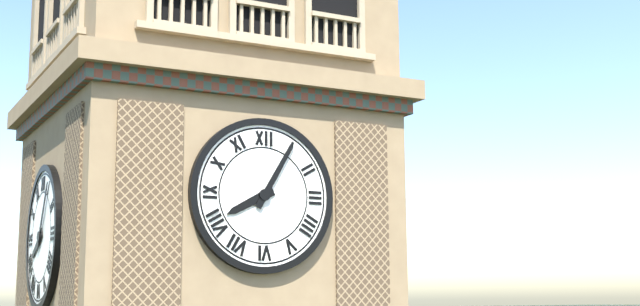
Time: {"hour": 8, "minute": 5}
